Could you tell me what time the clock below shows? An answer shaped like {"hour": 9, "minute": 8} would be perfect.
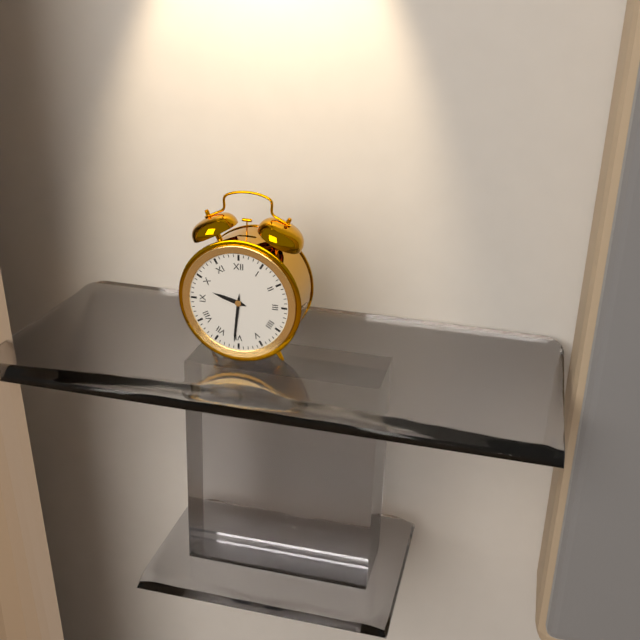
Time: {"hour": 9, "minute": 31}
